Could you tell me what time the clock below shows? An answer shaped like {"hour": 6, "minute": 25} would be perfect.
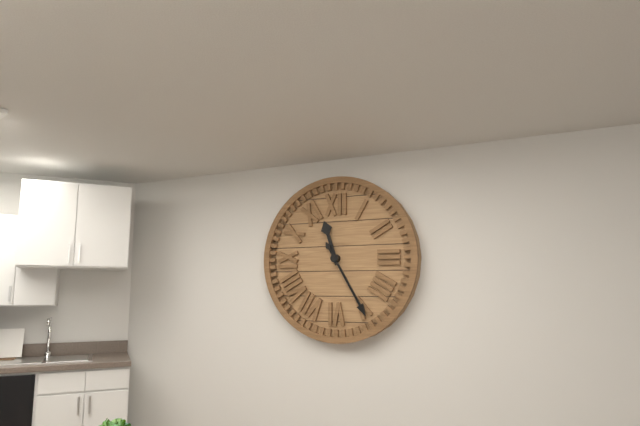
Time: {"hour": 11, "minute": 25}
